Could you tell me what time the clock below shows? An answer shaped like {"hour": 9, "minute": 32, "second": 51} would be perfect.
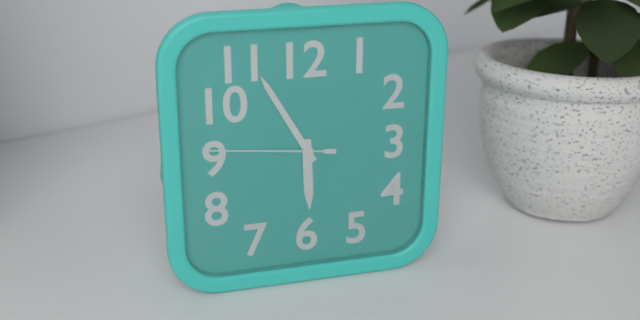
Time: {"hour": 5, "minute": 55, "second": 46}
